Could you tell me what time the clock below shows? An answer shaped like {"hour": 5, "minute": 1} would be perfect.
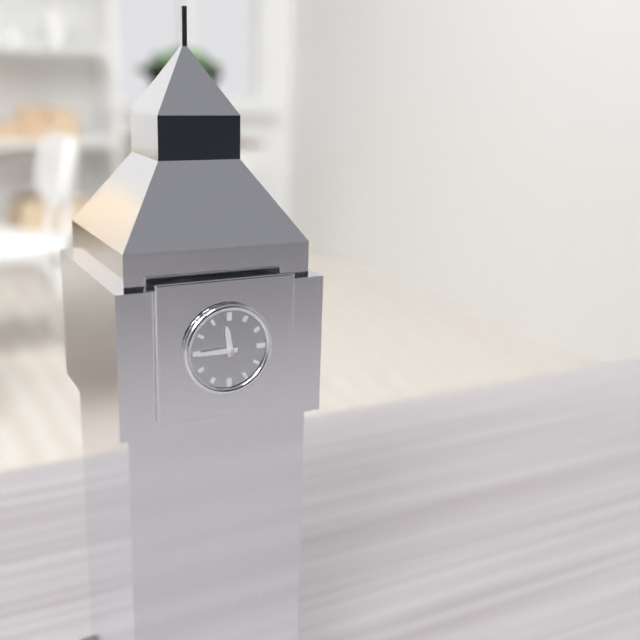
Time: {"hour": 11, "minute": 45}
